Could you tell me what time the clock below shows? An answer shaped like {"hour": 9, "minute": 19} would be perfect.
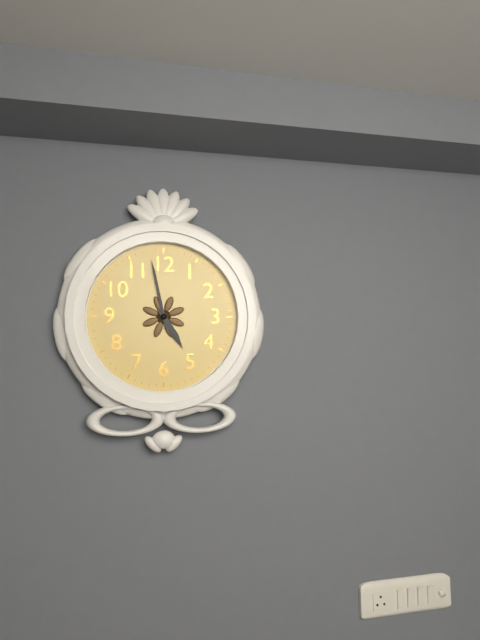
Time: {"hour": 4, "minute": 58}
